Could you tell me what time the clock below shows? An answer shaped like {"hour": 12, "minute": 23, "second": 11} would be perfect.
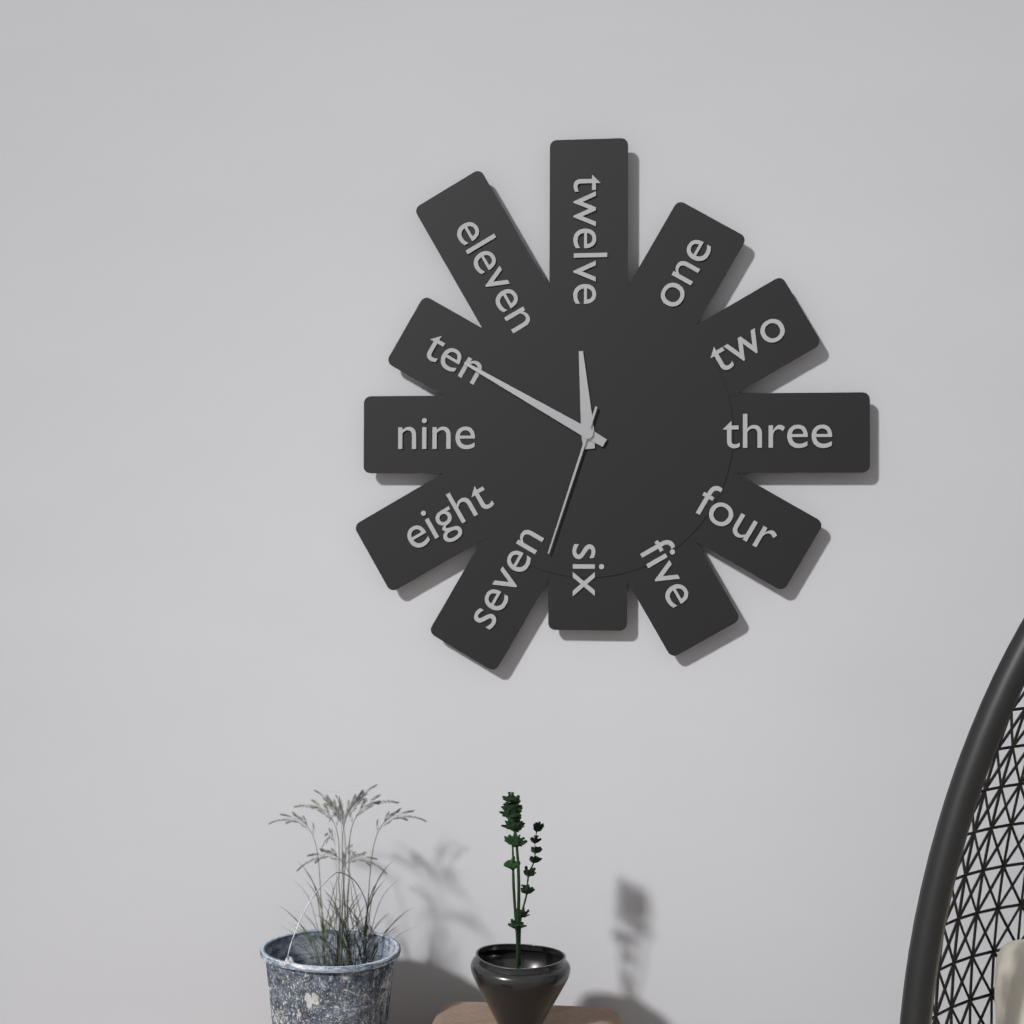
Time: {"hour": 11, "minute": 50, "second": 33}
